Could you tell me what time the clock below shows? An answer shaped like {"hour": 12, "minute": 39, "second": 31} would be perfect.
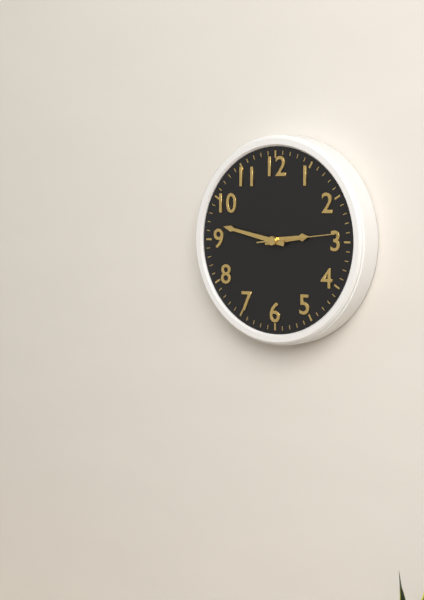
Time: {"hour": 2, "minute": 47, "second": 14}
